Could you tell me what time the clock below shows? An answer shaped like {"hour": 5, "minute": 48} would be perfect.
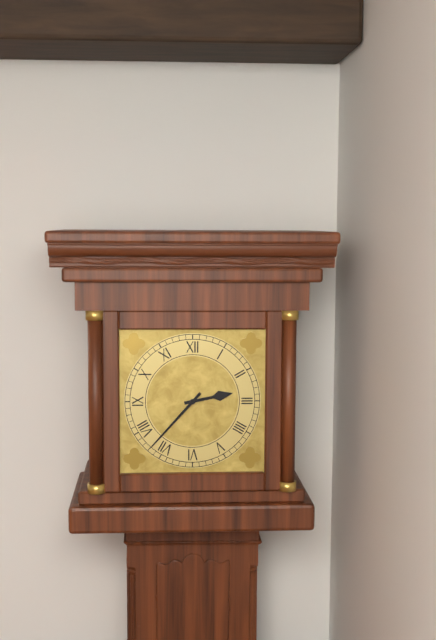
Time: {"hour": 2, "minute": 37}
